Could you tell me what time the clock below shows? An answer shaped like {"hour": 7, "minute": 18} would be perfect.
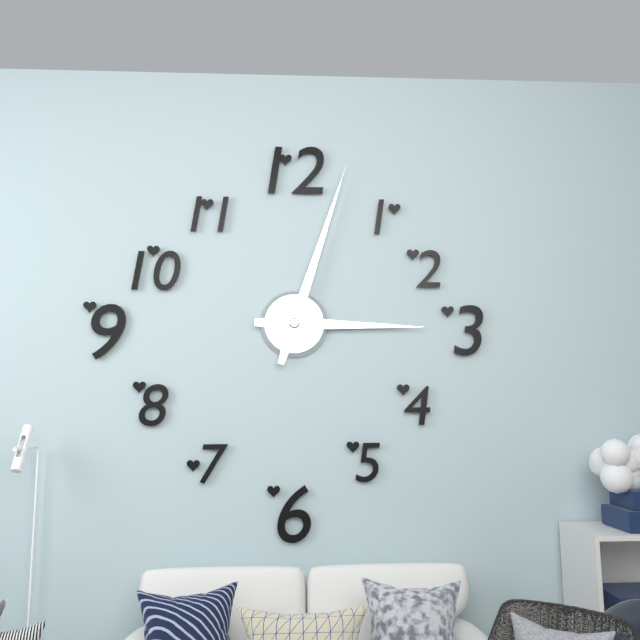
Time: {"hour": 3, "minute": 3}
